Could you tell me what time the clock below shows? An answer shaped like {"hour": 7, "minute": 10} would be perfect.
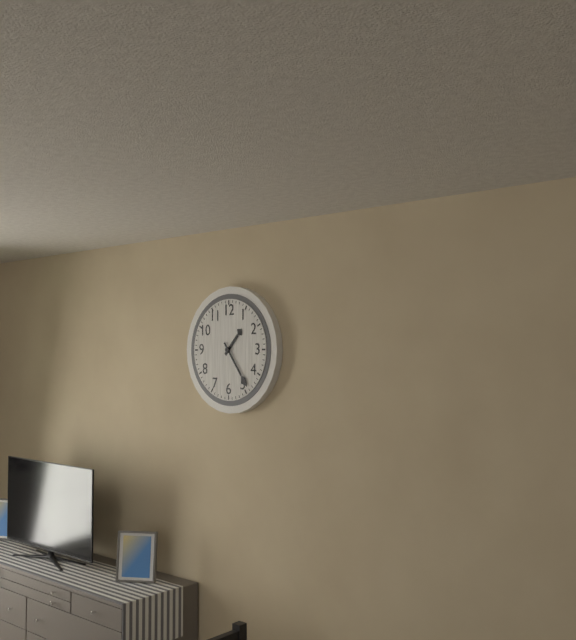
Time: {"hour": 1, "minute": 24}
